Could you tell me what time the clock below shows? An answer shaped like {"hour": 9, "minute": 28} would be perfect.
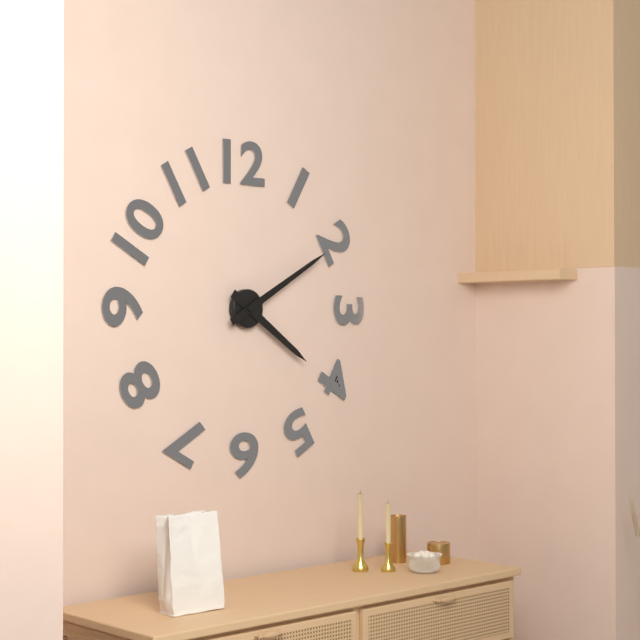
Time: {"hour": 4, "minute": 10}
